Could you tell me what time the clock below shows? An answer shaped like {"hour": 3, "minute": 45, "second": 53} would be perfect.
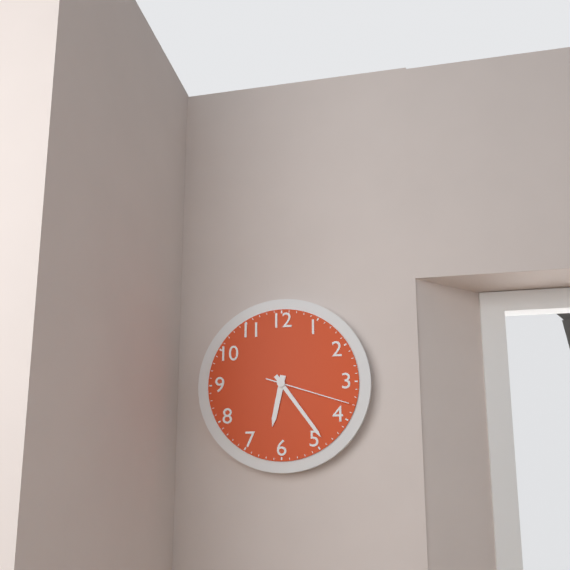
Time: {"hour": 6, "minute": 24, "second": 18}
